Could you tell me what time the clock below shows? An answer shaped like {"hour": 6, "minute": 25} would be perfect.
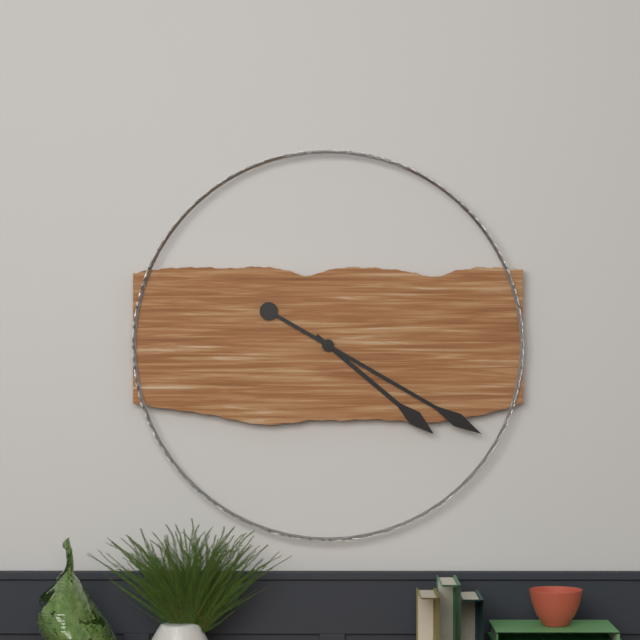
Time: {"hour": 4, "minute": 20}
